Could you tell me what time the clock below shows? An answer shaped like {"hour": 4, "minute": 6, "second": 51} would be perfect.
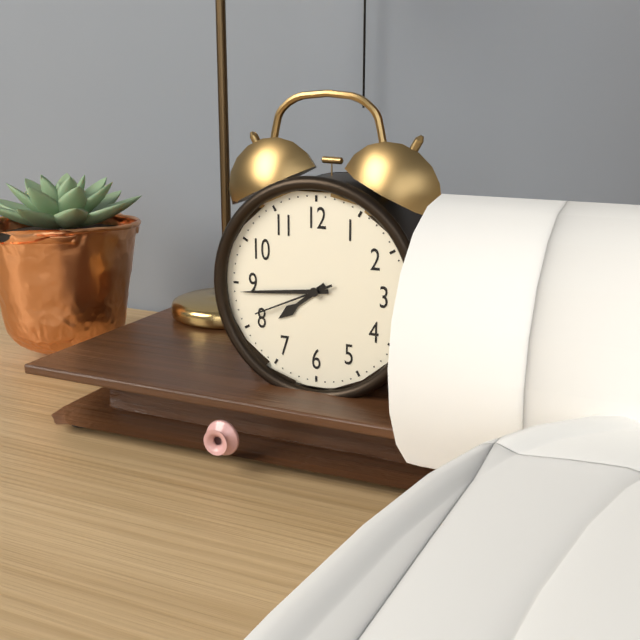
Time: {"hour": 7, "minute": 44, "second": 41}
